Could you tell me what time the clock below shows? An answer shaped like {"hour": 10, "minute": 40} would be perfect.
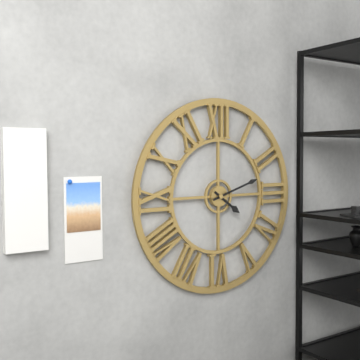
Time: {"hour": 4, "minute": 12}
